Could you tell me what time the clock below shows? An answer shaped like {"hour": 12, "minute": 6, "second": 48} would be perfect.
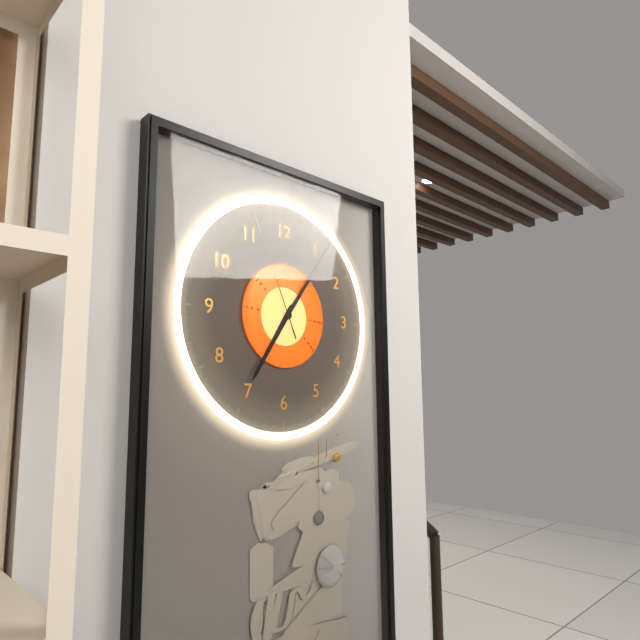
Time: {"hour": 7, "minute": 6, "second": 56}
